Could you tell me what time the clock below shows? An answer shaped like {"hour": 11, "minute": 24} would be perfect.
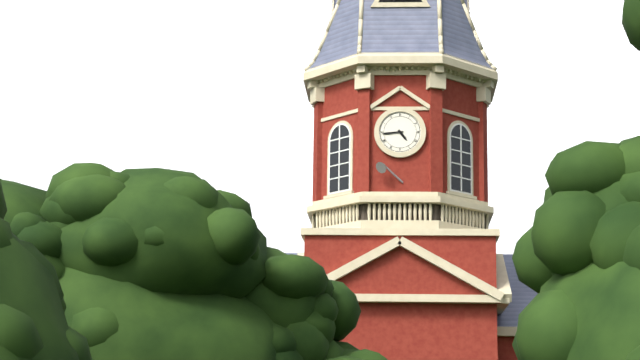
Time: {"hour": 4, "minute": 44}
